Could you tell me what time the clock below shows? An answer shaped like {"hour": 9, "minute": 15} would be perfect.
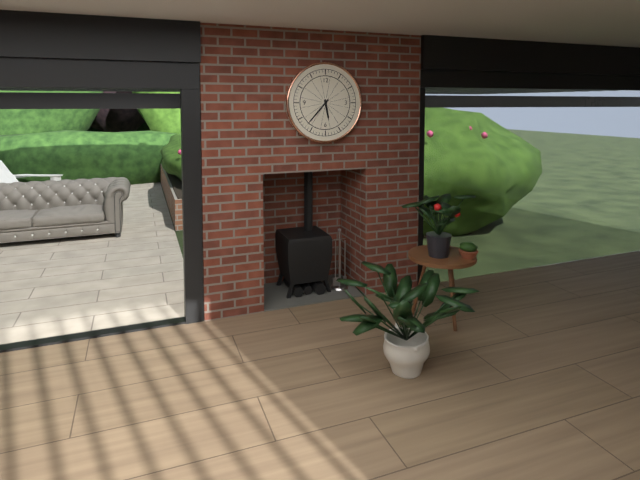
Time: {"hour": 5, "minute": 37}
